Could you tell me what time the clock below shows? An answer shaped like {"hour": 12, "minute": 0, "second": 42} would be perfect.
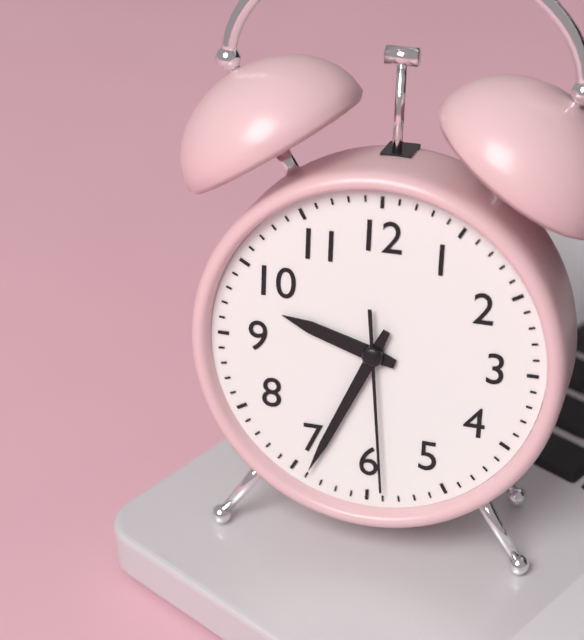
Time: {"hour": 9, "minute": 34, "second": 29}
